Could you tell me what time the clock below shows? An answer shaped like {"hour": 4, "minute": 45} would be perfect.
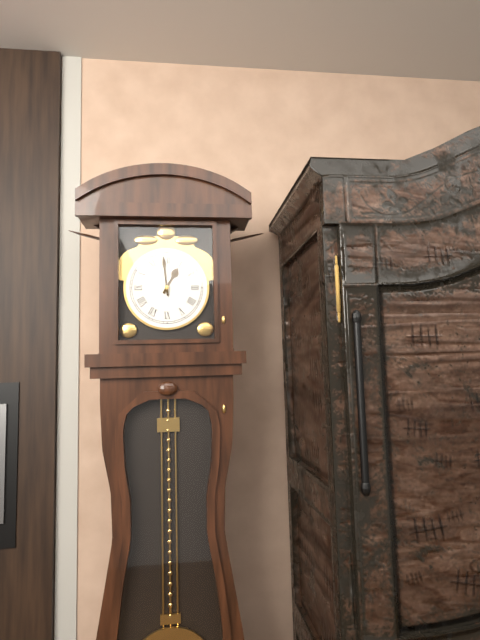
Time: {"hour": 12, "minute": 59}
